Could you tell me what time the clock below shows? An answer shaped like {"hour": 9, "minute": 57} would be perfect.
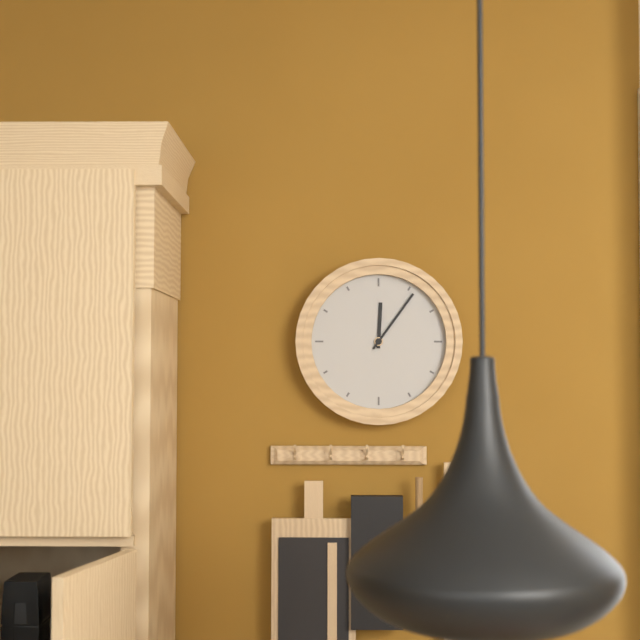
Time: {"hour": 12, "minute": 6}
